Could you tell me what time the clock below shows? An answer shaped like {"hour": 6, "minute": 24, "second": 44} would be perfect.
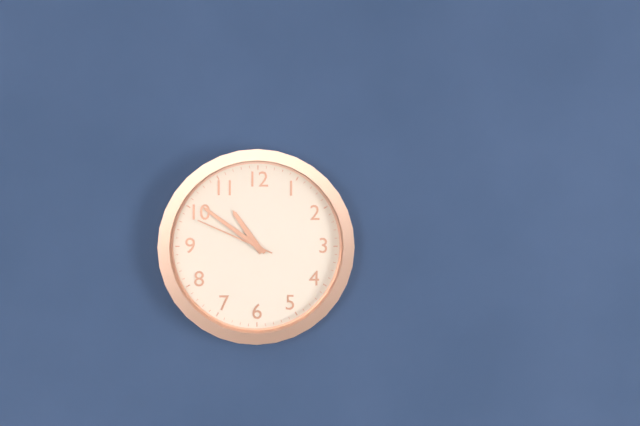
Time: {"hour": 10, "minute": 51, "second": 49}
